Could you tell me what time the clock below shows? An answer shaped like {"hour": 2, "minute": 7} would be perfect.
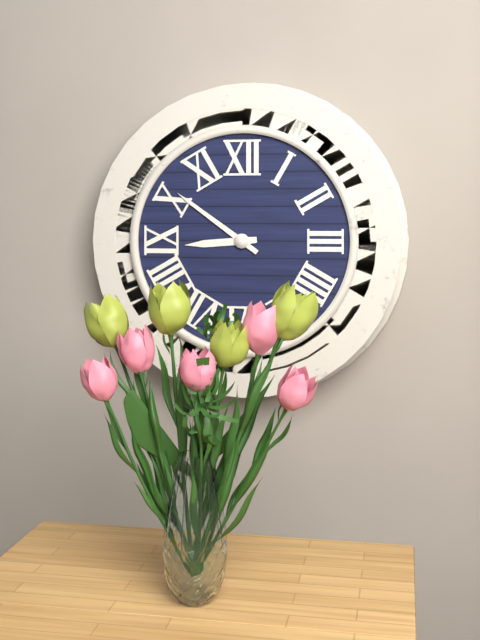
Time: {"hour": 8, "minute": 51}
